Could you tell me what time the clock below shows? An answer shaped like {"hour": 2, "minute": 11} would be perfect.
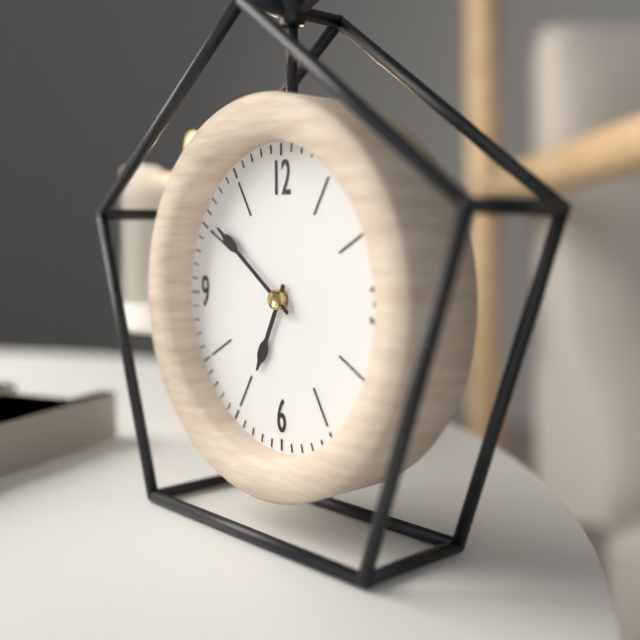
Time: {"hour": 6, "minute": 51}
